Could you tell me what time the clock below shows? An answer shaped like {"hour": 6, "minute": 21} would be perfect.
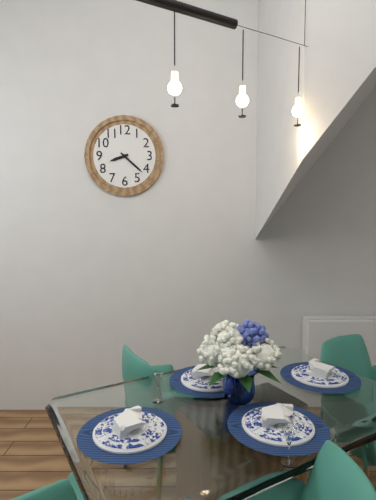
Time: {"hour": 8, "minute": 22}
